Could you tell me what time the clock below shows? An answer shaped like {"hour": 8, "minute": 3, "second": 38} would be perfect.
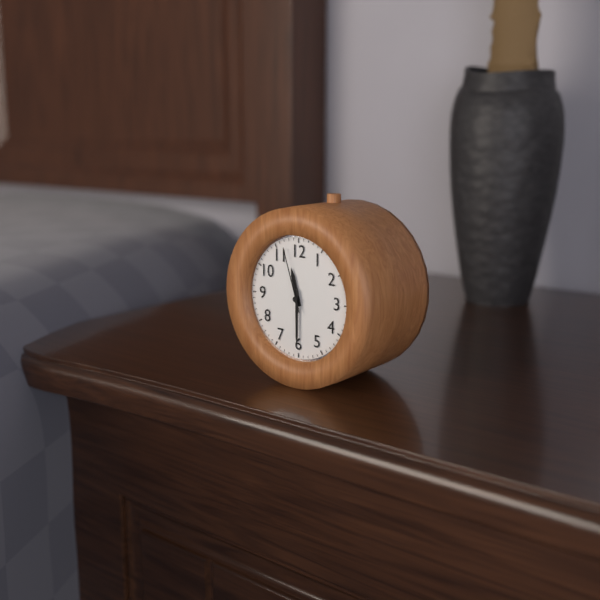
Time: {"hour": 11, "minute": 30, "second": 57}
